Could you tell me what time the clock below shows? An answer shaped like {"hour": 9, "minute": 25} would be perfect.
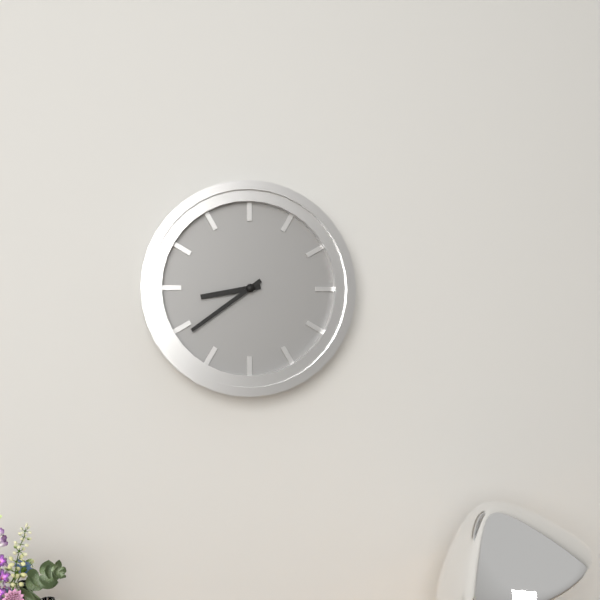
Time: {"hour": 8, "minute": 39}
